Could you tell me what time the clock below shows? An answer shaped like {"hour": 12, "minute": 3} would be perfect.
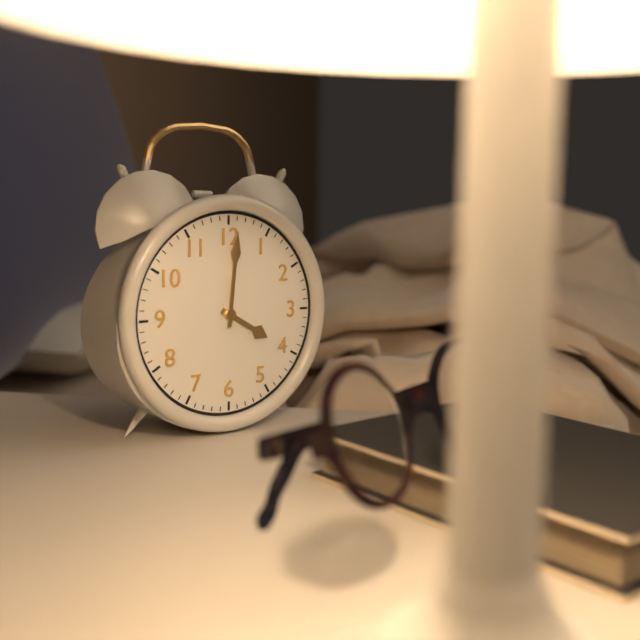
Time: {"hour": 4, "minute": 1}
